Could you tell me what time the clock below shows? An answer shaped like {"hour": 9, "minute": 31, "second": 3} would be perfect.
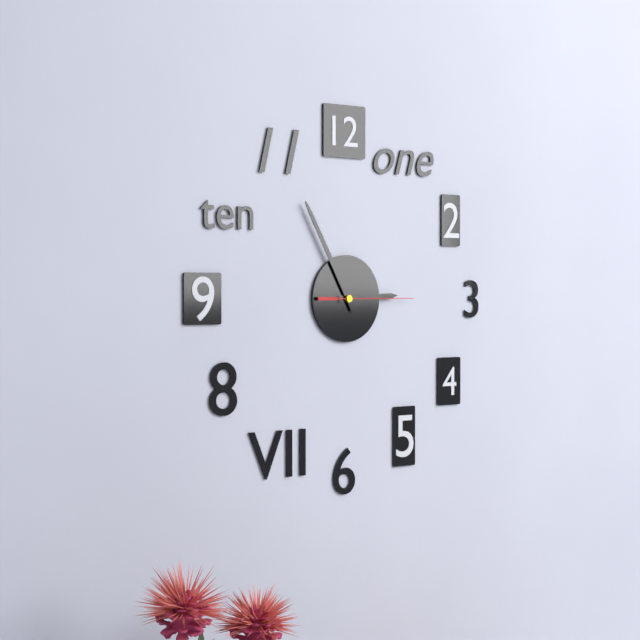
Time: {"hour": 2, "minute": 55, "second": 15}
